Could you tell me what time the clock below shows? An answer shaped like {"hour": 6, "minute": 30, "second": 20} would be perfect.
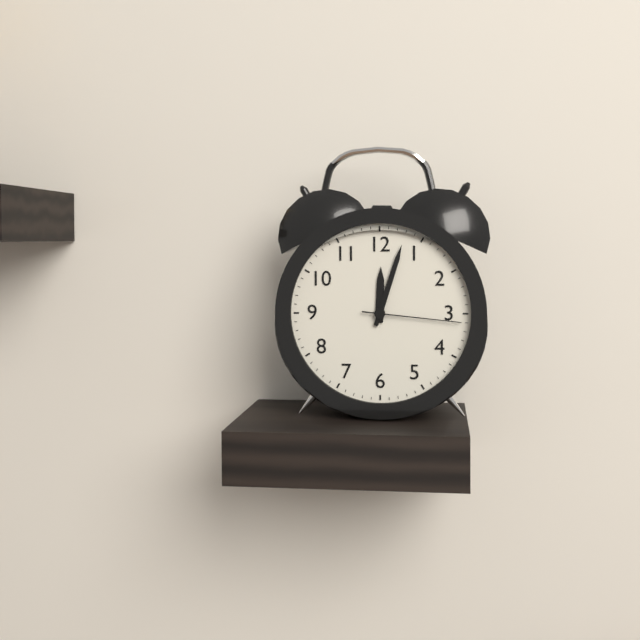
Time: {"hour": 12, "minute": 3, "second": 16}
